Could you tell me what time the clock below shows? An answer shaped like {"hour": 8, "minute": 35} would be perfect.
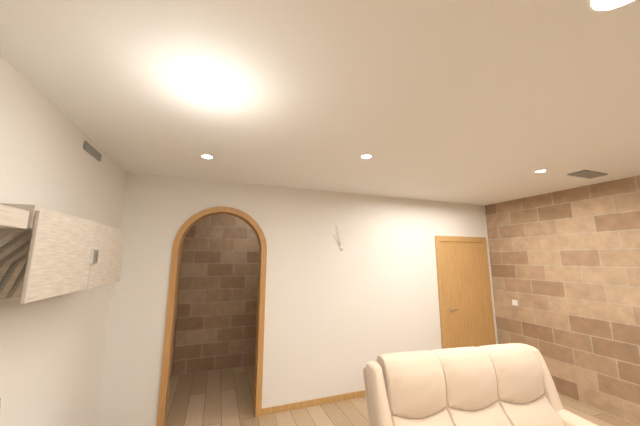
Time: {"hour": 10, "minute": 58}
